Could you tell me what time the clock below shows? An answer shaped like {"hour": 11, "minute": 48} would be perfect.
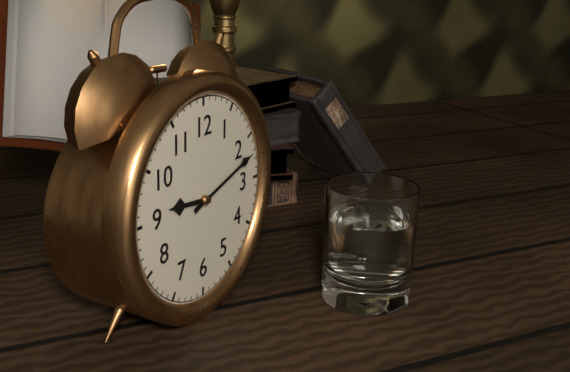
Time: {"hour": 9, "minute": 12}
